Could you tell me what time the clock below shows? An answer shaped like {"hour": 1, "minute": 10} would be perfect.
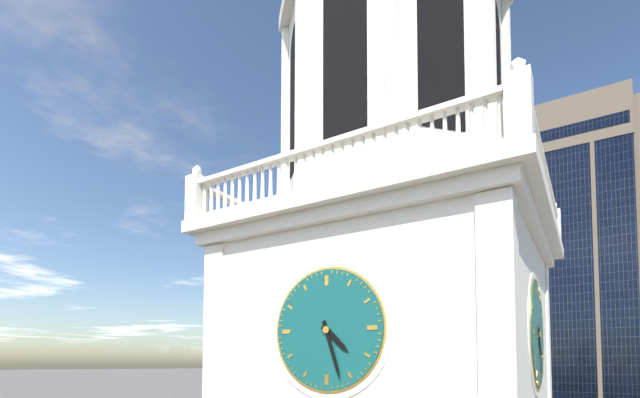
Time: {"hour": 4, "minute": 27}
